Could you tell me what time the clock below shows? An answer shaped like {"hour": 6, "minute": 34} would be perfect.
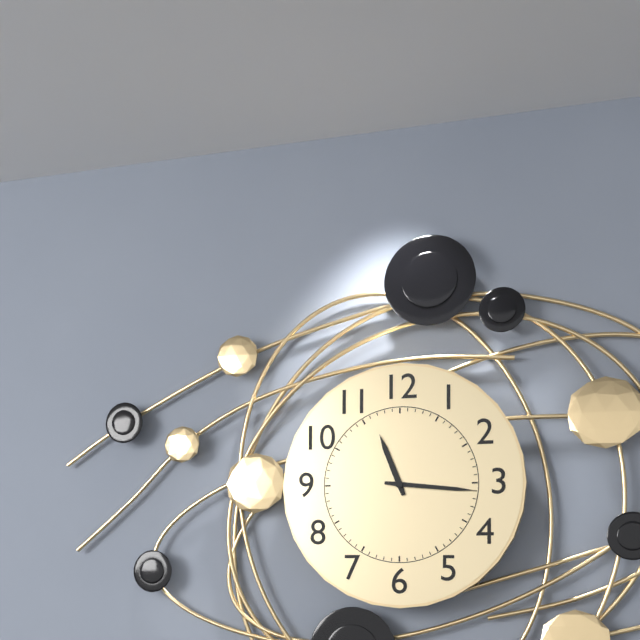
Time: {"hour": 11, "minute": 16}
